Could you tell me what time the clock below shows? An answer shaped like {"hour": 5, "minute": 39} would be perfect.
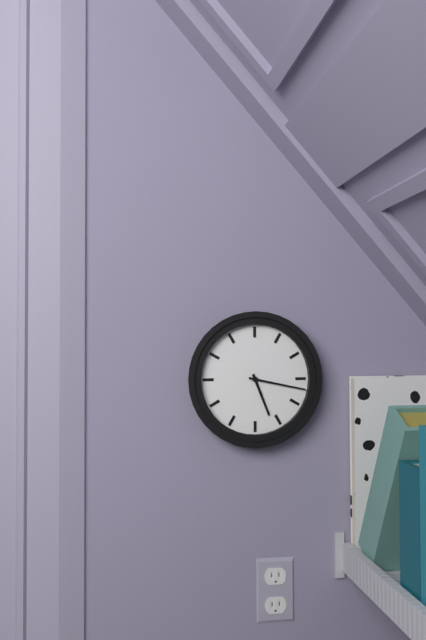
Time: {"hour": 5, "minute": 17}
